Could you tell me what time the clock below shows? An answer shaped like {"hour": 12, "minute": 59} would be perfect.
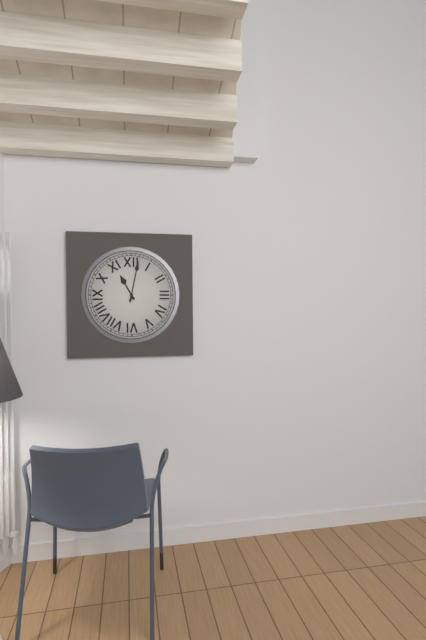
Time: {"hour": 11, "minute": 2}
